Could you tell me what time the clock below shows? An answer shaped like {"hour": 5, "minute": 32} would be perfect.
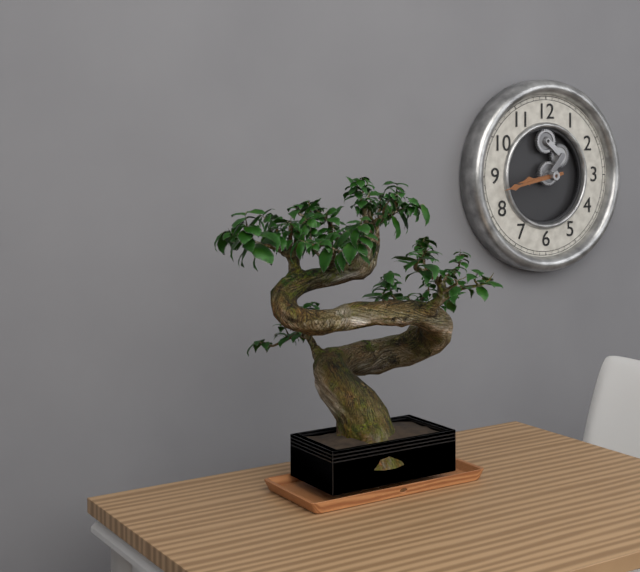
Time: {"hour": 8, "minute": 43}
